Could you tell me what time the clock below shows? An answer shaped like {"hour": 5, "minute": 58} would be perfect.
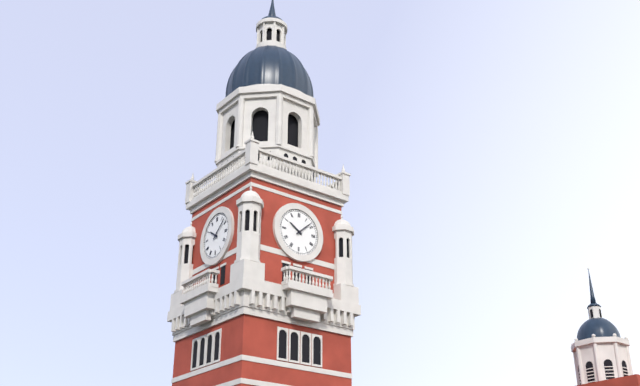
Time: {"hour": 10, "minute": 8}
